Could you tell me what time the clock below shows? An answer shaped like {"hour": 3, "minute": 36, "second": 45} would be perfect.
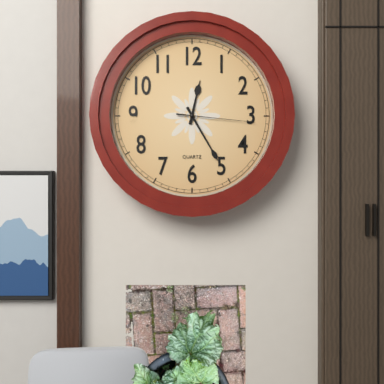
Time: {"hour": 12, "minute": 25, "second": 16}
